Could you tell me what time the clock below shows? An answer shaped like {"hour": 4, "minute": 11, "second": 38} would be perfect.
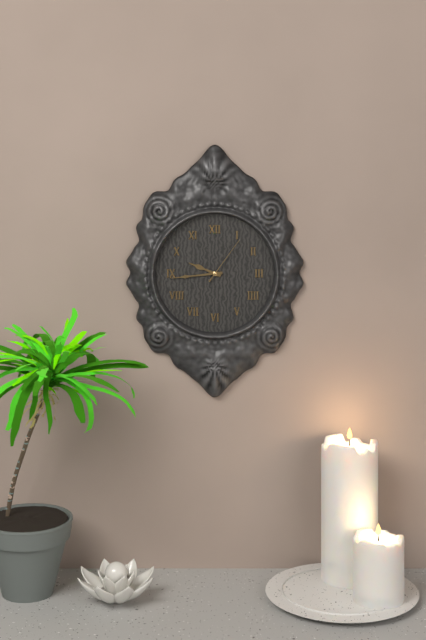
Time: {"hour": 9, "minute": 44, "second": 6}
